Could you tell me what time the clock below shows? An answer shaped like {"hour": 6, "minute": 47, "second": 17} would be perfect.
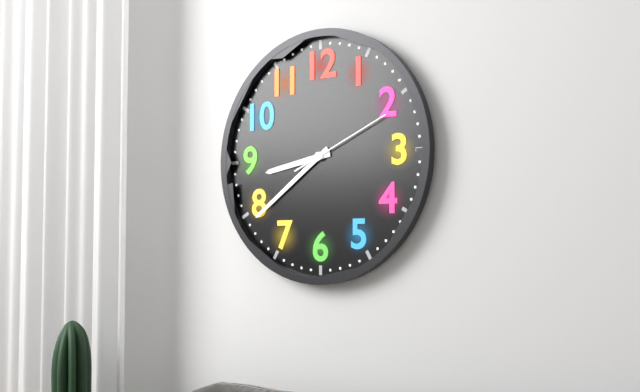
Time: {"hour": 8, "minute": 39, "second": 11}
